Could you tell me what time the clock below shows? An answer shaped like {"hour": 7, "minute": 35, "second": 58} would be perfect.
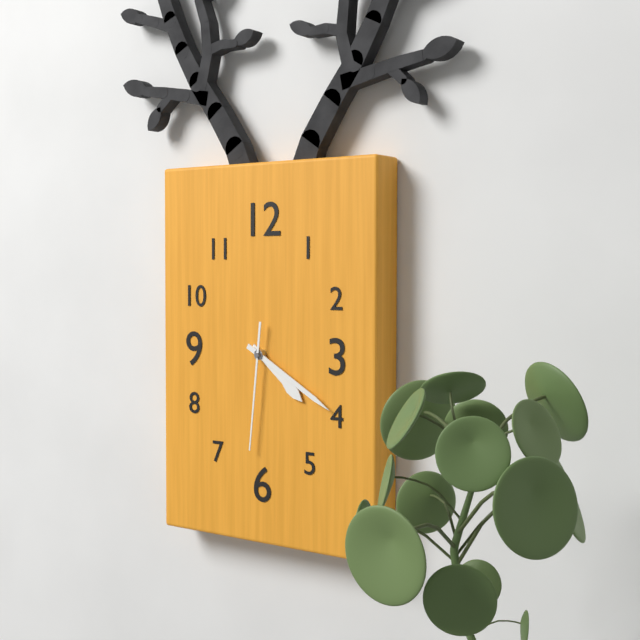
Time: {"hour": 4, "minute": 20, "second": 31}
